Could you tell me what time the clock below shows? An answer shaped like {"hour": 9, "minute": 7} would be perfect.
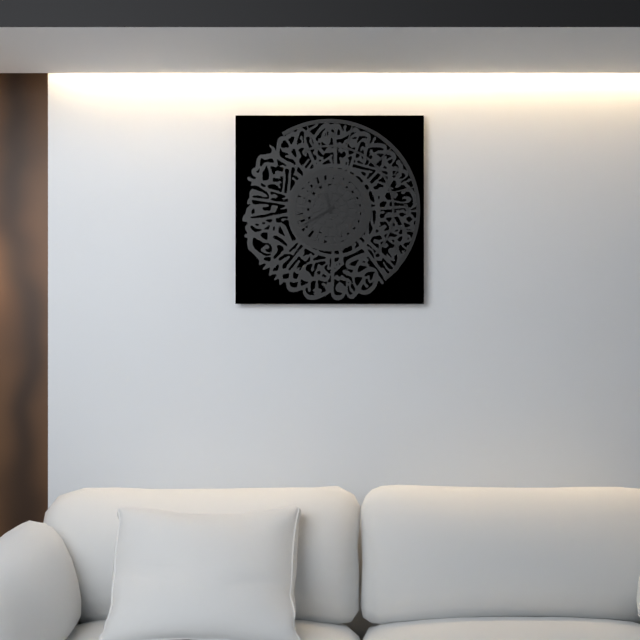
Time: {"hour": 11, "minute": 40}
